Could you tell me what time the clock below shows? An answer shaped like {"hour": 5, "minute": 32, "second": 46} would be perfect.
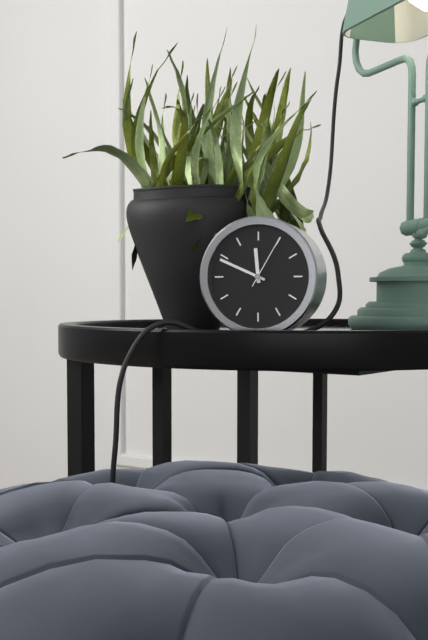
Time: {"hour": 11, "minute": 49, "second": 5}
